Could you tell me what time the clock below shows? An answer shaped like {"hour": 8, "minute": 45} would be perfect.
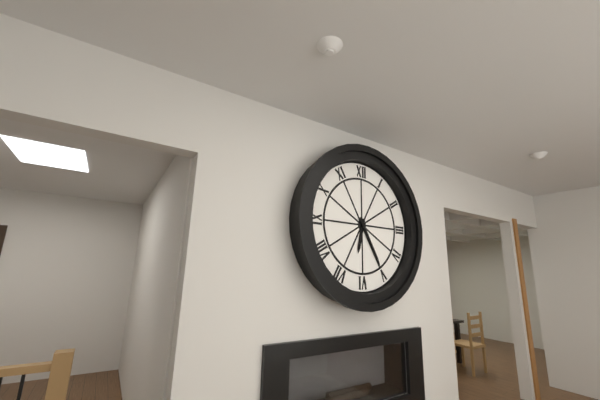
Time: {"hour": 6, "minute": 25}
